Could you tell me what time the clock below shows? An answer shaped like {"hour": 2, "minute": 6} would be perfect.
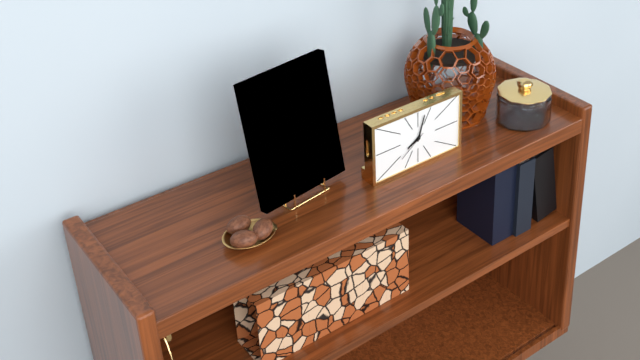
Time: {"hour": 8, "minute": 3}
